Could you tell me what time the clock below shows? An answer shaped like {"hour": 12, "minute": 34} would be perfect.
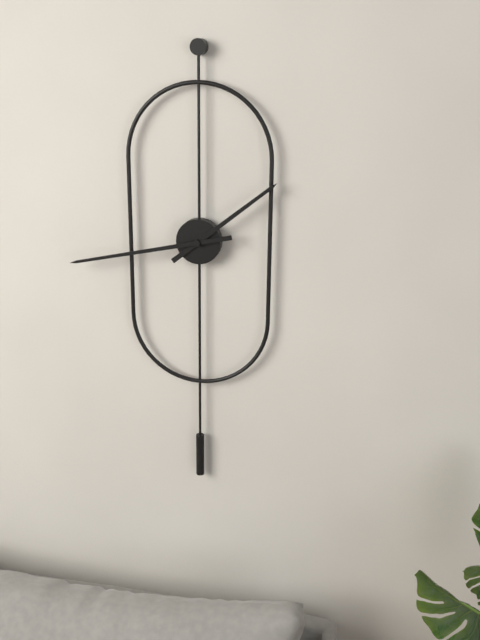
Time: {"hour": 1, "minute": 43}
